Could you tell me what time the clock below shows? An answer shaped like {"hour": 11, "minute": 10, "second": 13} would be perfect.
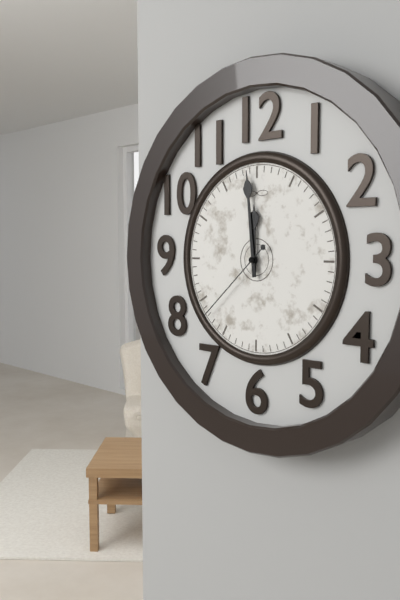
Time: {"hour": 11, "minute": 59, "second": 38}
